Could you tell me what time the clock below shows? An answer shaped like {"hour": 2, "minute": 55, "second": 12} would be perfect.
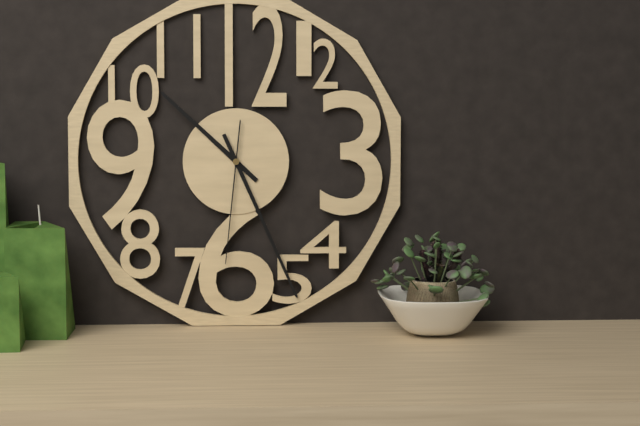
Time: {"hour": 10, "minute": 26, "second": 31}
